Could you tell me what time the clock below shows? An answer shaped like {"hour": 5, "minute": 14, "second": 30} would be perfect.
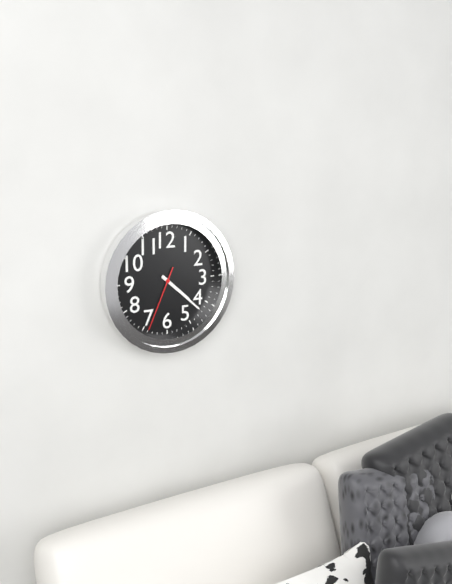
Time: {"hour": 4, "minute": 22, "second": 34}
